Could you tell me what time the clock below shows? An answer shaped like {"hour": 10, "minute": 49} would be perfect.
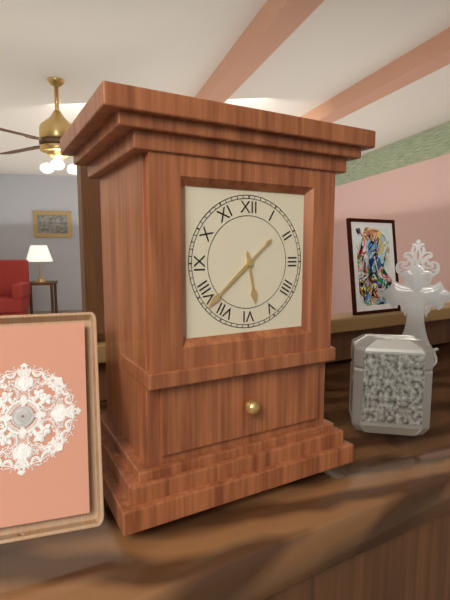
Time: {"hour": 5, "minute": 38}
